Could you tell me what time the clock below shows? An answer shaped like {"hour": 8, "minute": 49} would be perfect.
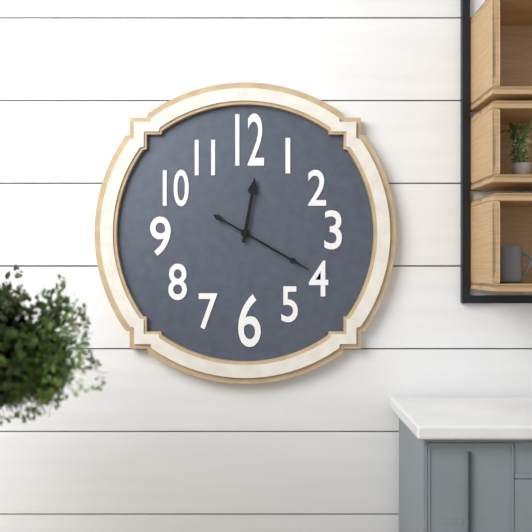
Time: {"hour": 12, "minute": 20}
